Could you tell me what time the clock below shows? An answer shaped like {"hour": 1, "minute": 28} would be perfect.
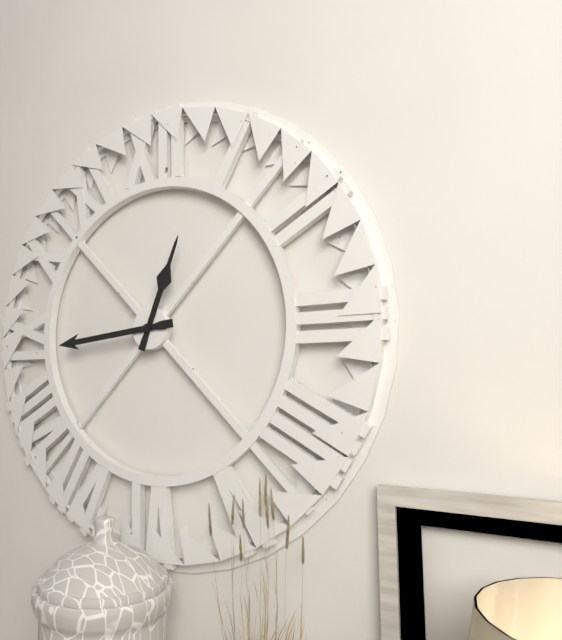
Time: {"hour": 12, "minute": 44}
